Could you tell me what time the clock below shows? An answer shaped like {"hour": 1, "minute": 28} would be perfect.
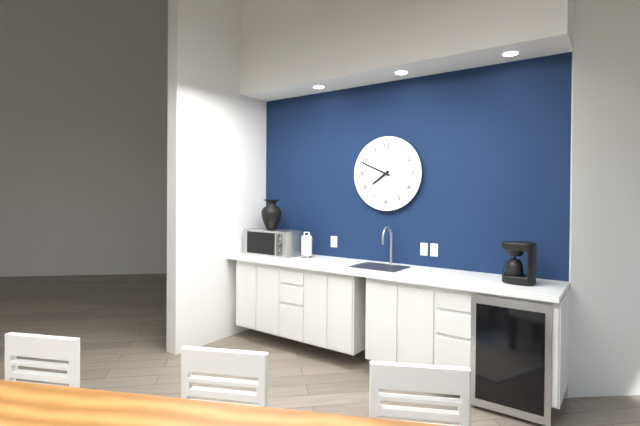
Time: {"hour": 7, "minute": 49}
